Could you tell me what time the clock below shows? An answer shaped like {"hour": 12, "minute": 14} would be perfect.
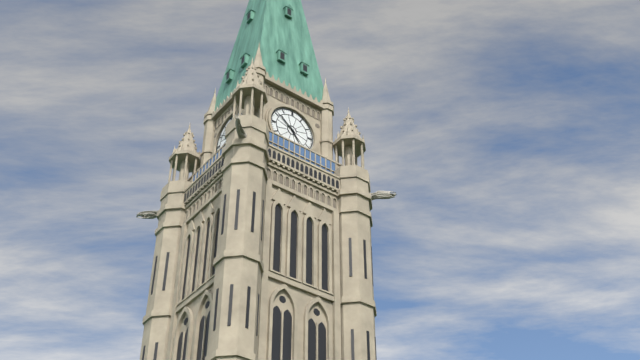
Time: {"hour": 4, "minute": 51}
